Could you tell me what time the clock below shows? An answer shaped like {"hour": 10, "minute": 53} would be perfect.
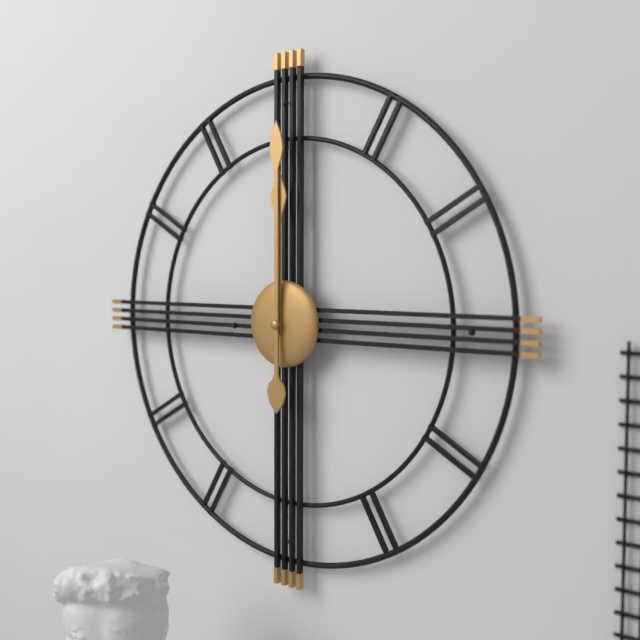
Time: {"hour": 12, "minute": 0}
